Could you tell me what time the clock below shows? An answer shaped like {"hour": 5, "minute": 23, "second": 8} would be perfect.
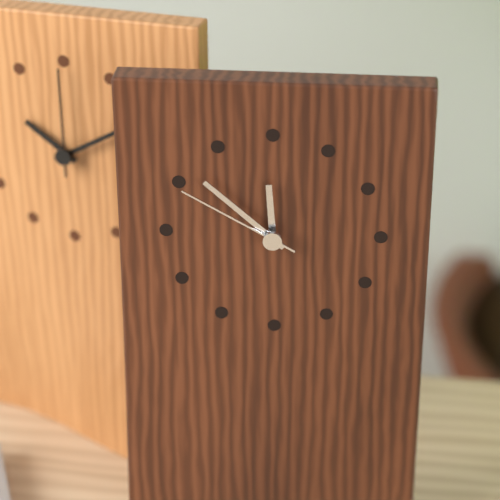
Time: {"hour": 11, "minute": 52, "second": 50}
